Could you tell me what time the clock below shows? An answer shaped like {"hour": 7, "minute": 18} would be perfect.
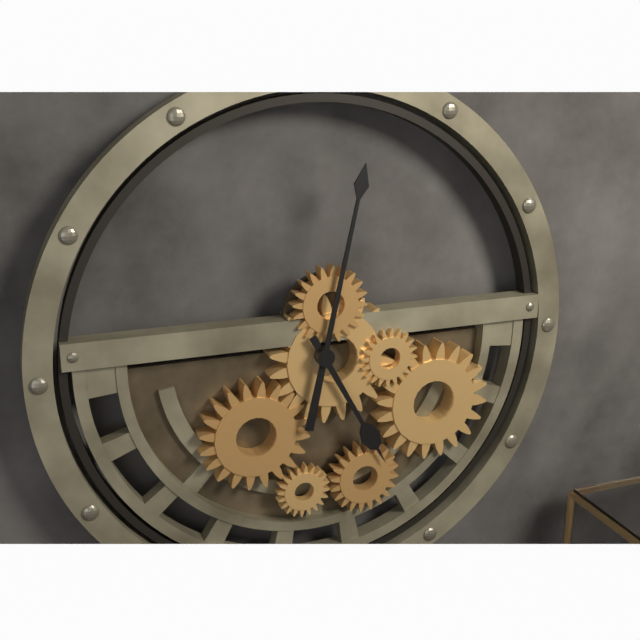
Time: {"hour": 5, "minute": 2}
